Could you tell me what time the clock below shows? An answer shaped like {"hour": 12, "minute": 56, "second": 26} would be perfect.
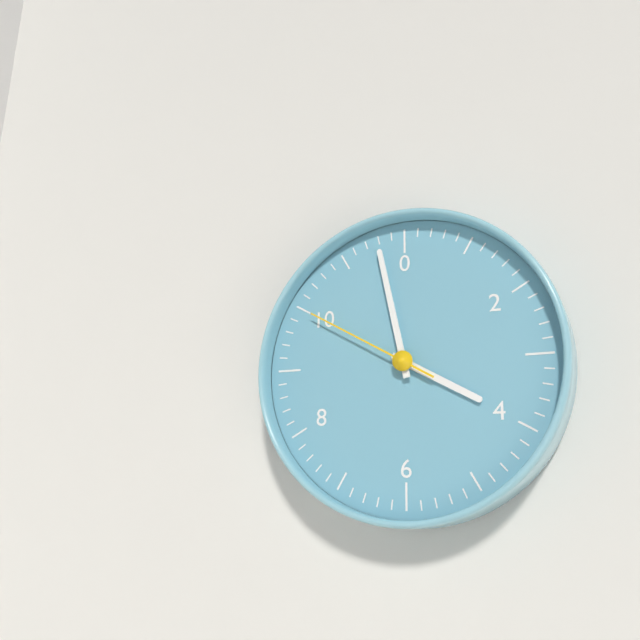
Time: {"hour": 3, "minute": 58, "second": 50}
